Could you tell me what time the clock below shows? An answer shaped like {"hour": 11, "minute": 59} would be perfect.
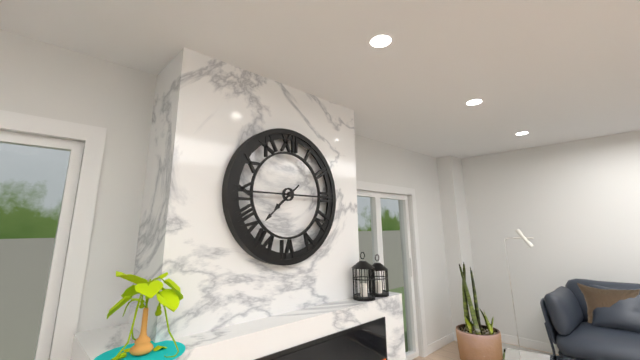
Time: {"hour": 7, "minute": 38}
